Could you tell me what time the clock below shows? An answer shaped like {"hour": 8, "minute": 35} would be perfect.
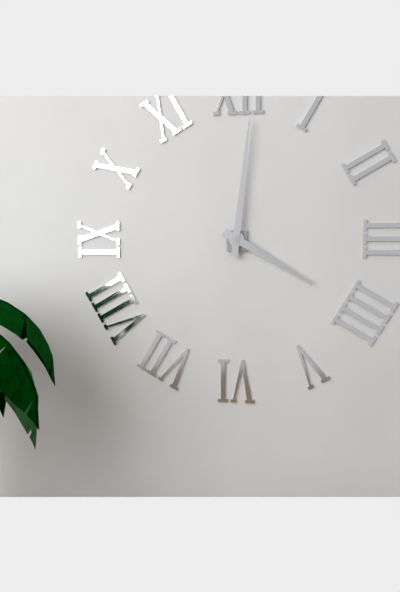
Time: {"hour": 4, "minute": 1}
